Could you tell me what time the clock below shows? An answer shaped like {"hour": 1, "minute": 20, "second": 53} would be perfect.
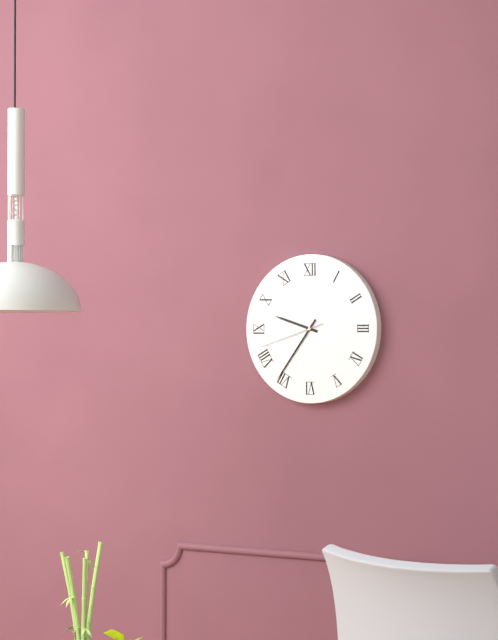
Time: {"hour": 9, "minute": 36, "second": 42}
